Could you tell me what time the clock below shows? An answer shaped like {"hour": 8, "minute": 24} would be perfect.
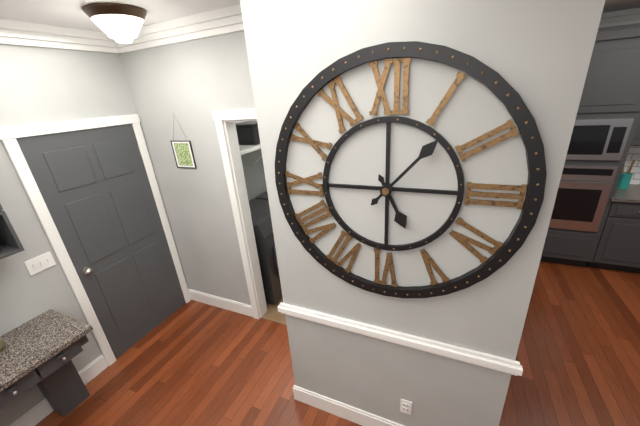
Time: {"hour": 5, "minute": 7}
